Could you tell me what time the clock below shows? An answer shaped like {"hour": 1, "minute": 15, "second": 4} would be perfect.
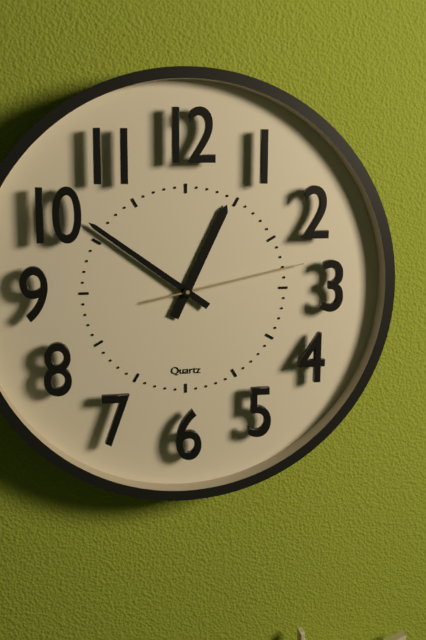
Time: {"hour": 12, "minute": 51, "second": 13}
